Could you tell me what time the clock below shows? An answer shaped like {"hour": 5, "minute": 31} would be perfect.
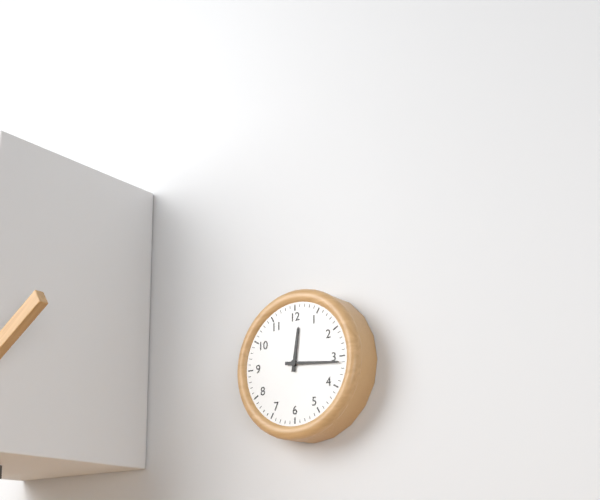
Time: {"hour": 12, "minute": 16}
